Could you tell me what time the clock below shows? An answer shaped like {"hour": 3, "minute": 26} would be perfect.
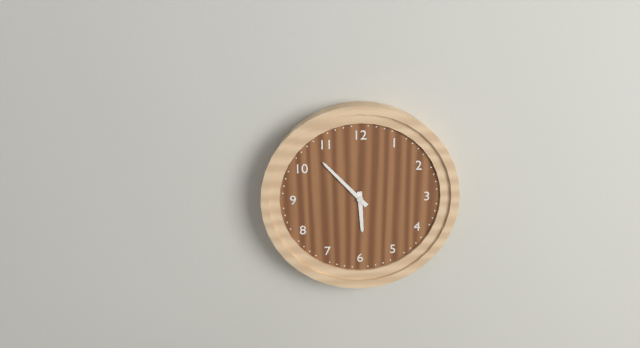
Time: {"hour": 5, "minute": 53}
